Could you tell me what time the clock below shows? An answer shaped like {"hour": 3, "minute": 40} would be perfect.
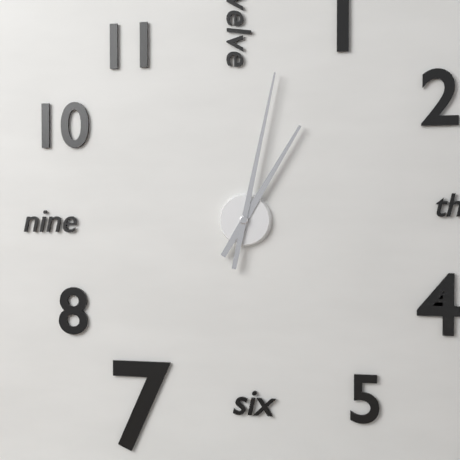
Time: {"hour": 1, "minute": 2}
